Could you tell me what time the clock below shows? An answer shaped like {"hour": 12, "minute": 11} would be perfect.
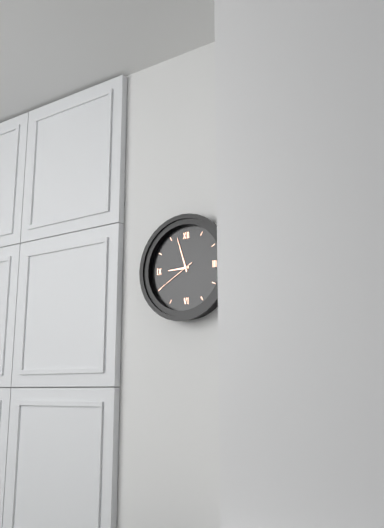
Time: {"hour": 8, "minute": 57}
